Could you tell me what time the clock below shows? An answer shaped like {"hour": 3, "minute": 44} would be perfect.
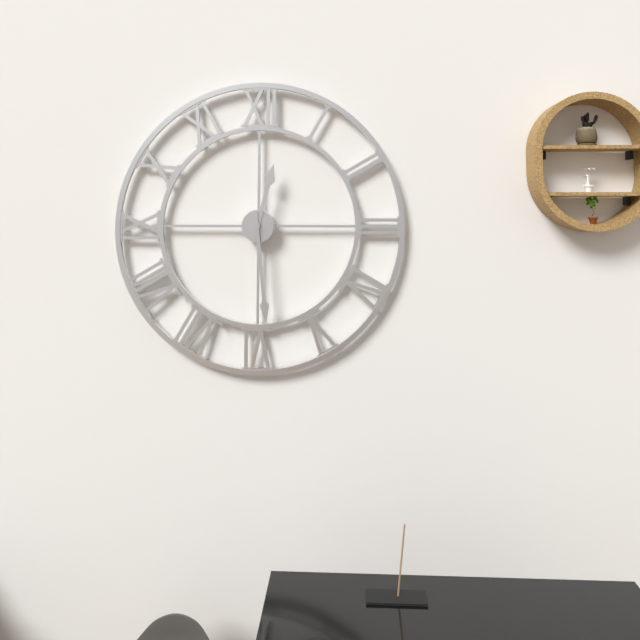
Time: {"hour": 12, "minute": 29}
